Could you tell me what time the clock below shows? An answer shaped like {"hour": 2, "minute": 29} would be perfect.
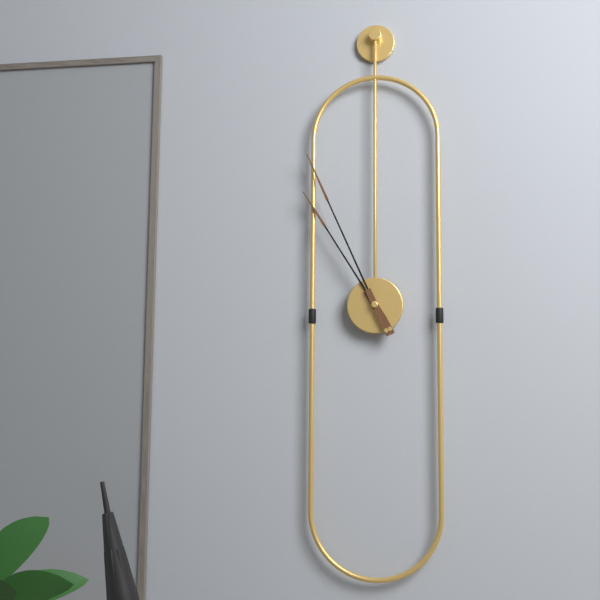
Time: {"hour": 10, "minute": 56}
